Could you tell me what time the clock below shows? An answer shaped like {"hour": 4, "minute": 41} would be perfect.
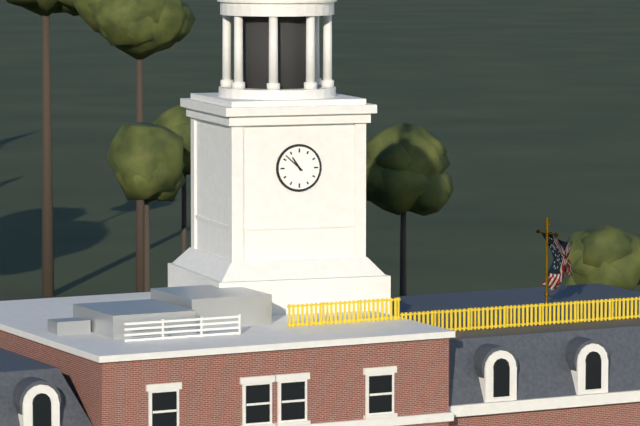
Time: {"hour": 10, "minute": 52}
